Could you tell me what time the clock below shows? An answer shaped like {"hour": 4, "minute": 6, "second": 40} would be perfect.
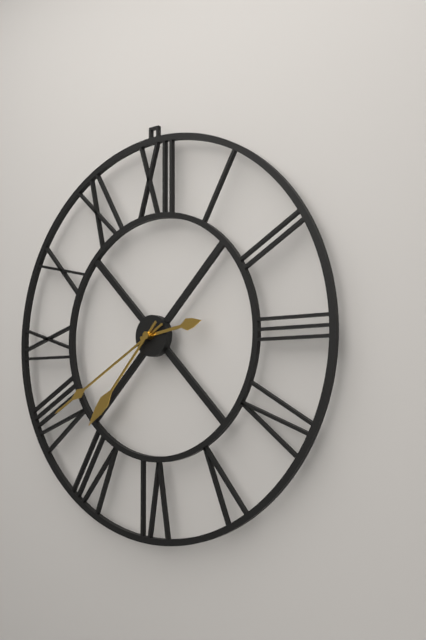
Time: {"hour": 2, "minute": 40, "second": 37}
